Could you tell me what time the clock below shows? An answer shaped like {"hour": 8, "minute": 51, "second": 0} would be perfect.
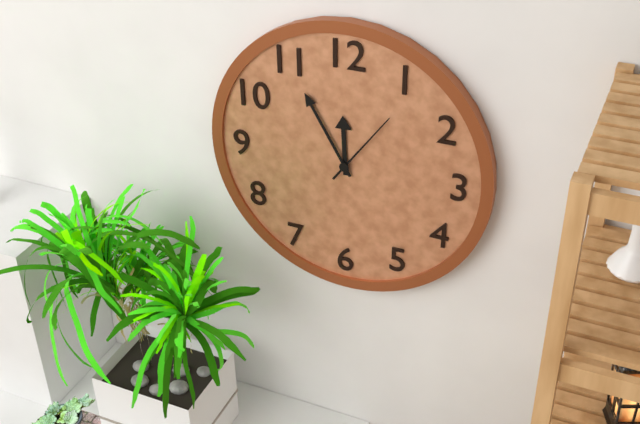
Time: {"hour": 11, "minute": 55, "second": 6}
